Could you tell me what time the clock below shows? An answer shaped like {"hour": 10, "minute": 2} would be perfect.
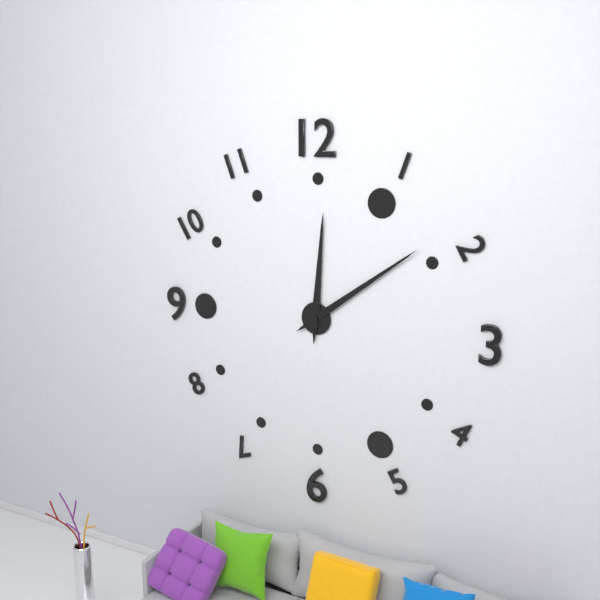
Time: {"hour": 12, "minute": 9}
